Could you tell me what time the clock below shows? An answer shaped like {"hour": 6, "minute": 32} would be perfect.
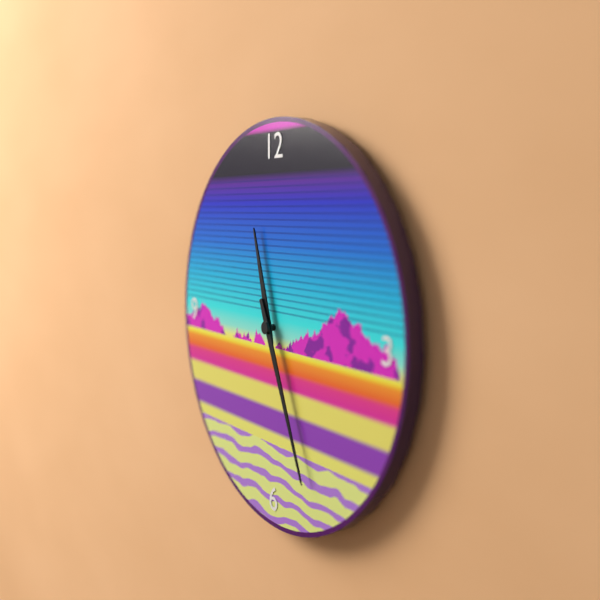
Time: {"hour": 11, "minute": 26}
